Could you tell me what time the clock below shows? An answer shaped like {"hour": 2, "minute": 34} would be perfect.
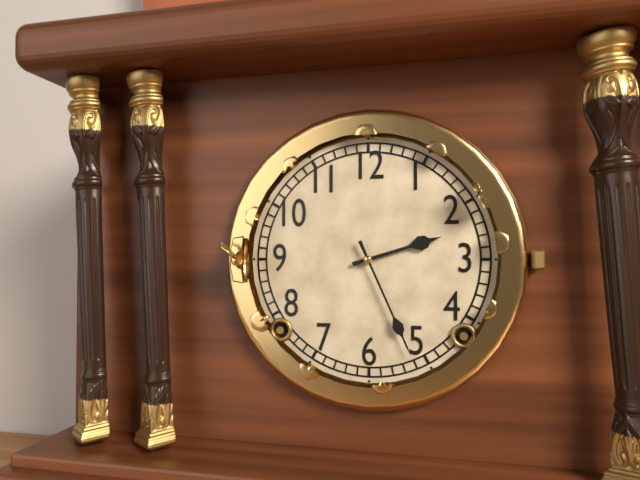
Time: {"hour": 2, "minute": 26}
